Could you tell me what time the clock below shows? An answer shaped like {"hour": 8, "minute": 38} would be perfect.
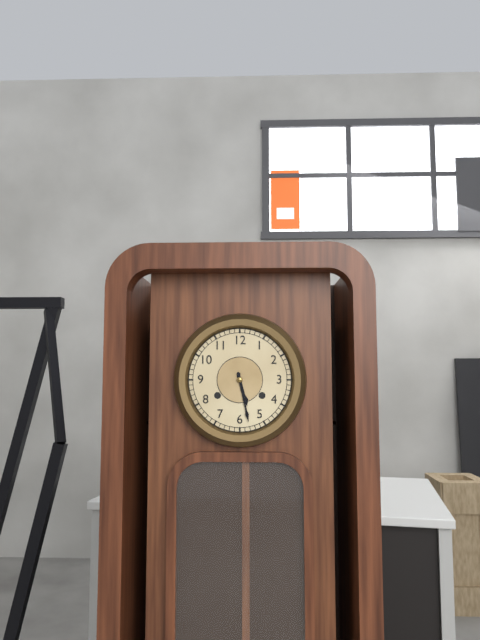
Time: {"hour": 5, "minute": 28}
